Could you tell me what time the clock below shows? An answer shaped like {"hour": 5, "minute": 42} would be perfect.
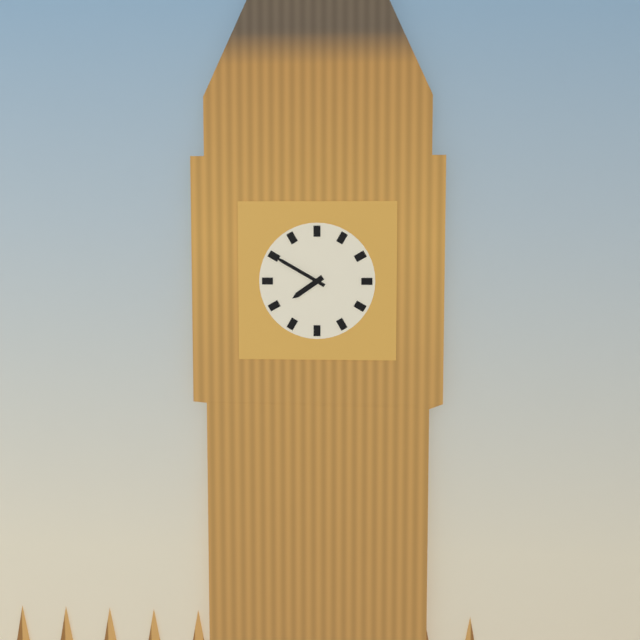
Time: {"hour": 7, "minute": 50}
